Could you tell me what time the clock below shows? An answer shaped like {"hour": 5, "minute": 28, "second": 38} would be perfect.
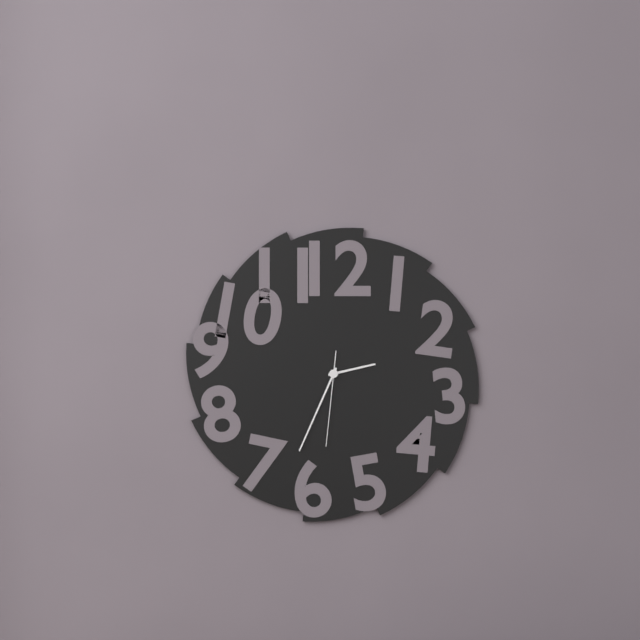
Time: {"hour": 2, "minute": 34, "second": 31}
